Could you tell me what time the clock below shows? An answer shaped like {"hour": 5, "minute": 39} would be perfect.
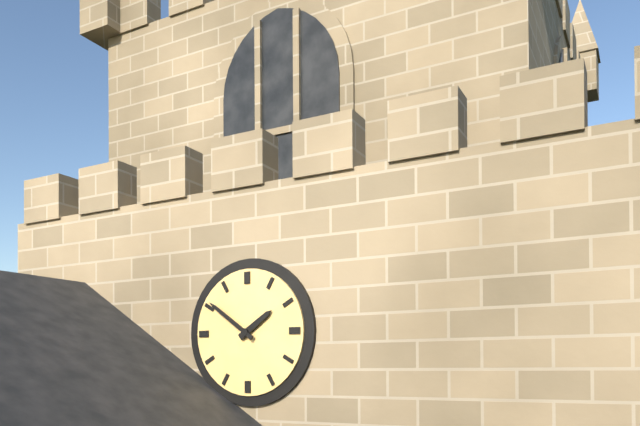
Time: {"hour": 1, "minute": 51}
